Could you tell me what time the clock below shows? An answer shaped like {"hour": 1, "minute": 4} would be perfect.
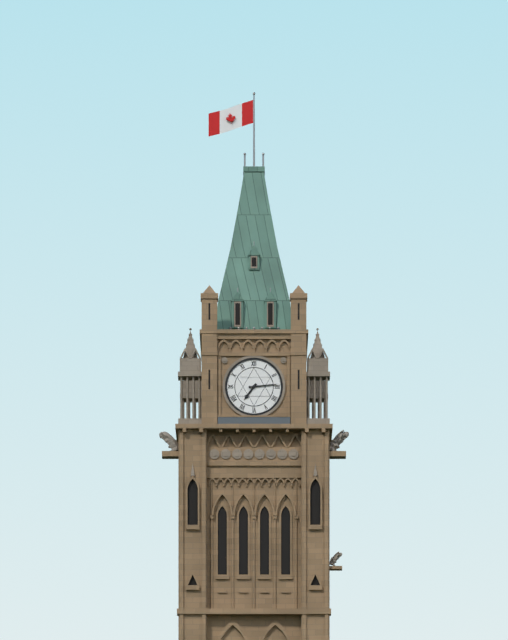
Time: {"hour": 7, "minute": 14}
